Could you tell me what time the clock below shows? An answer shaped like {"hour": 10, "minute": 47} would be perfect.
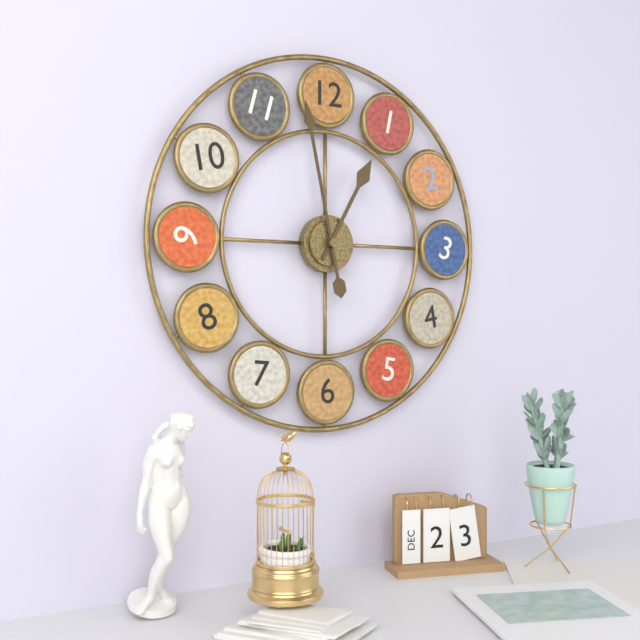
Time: {"hour": 12, "minute": 58}
